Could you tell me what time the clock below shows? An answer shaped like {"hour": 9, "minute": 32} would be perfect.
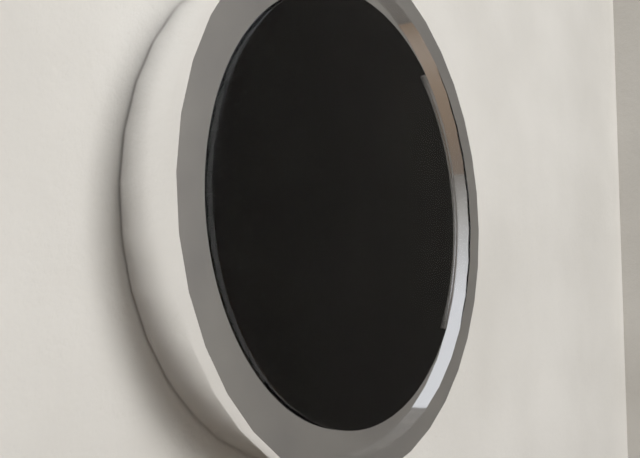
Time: {"hour": 3, "minute": 36}
